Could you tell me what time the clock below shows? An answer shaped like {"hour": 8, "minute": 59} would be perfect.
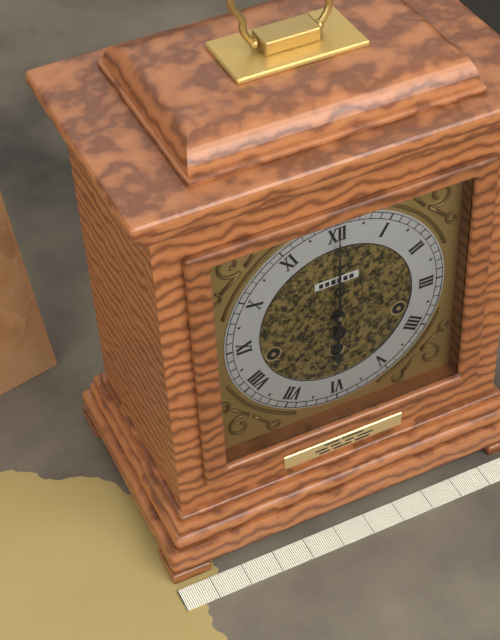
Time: {"hour": 6, "minute": 0}
